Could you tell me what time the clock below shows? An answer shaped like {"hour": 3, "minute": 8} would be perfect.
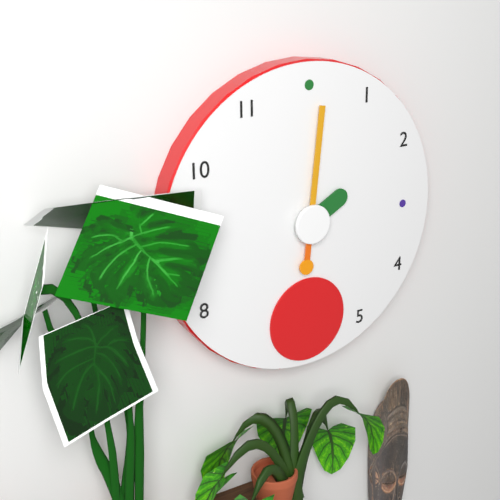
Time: {"hour": 2, "minute": 1}
